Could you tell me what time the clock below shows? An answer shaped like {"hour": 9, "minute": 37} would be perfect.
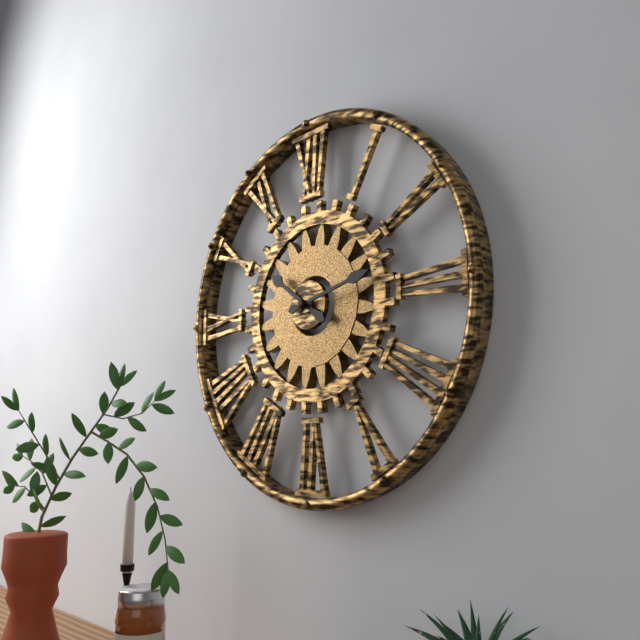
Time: {"hour": 10, "minute": 13}
